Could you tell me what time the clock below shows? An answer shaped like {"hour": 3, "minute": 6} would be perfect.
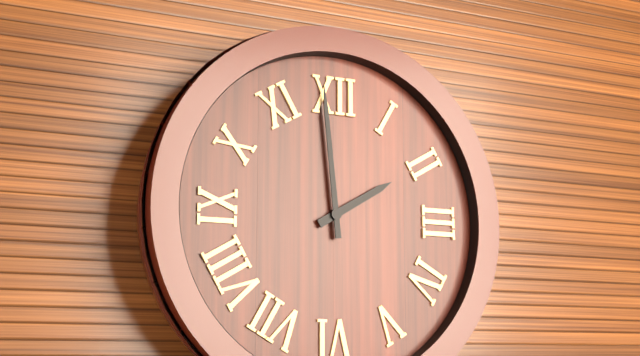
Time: {"hour": 1, "minute": 59}
